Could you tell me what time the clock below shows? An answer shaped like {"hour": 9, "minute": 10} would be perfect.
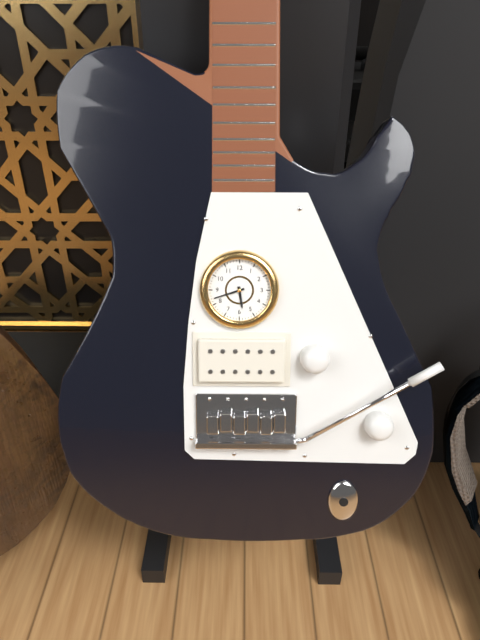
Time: {"hour": 5, "minute": 42}
